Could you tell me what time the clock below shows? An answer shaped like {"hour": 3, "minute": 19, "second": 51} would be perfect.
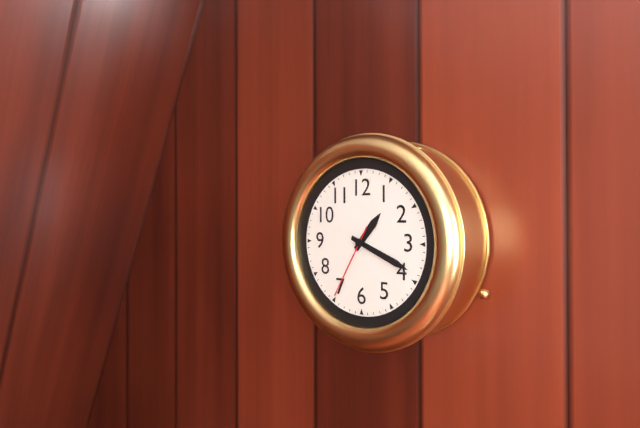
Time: {"hour": 1, "minute": 19, "second": 35}
